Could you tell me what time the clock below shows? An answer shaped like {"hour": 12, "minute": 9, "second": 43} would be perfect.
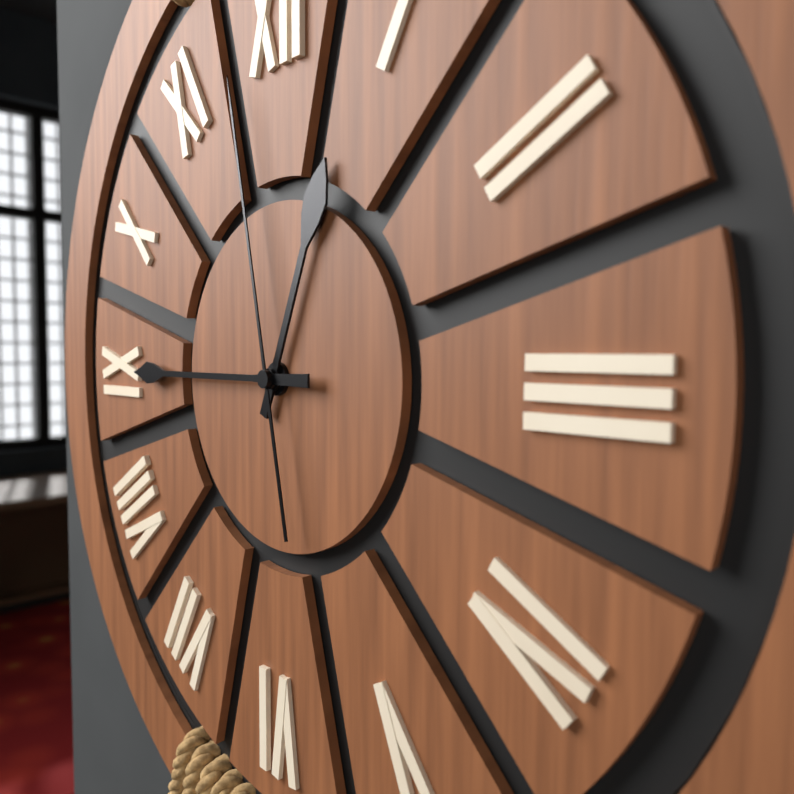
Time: {"hour": 12, "minute": 45, "second": 58}
